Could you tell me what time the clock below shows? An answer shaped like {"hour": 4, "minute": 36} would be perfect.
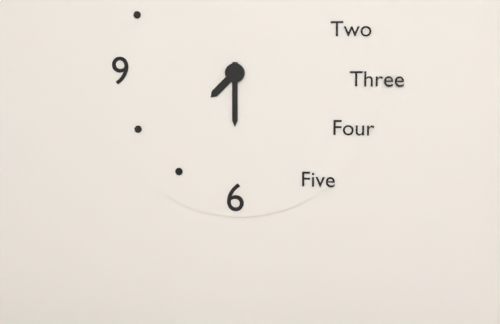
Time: {"hour": 7, "minute": 30}
